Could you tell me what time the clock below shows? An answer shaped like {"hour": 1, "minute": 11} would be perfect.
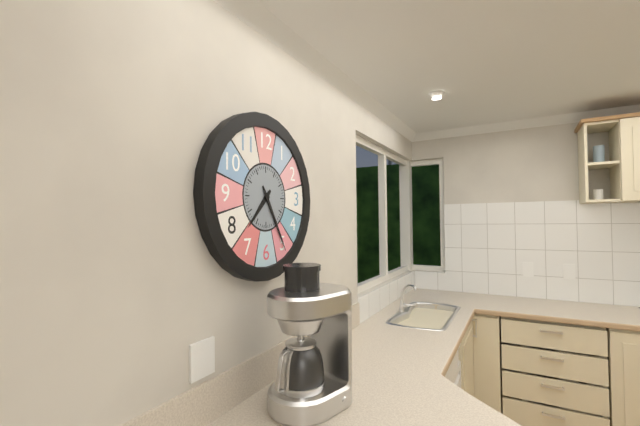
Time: {"hour": 7, "minute": 25}
